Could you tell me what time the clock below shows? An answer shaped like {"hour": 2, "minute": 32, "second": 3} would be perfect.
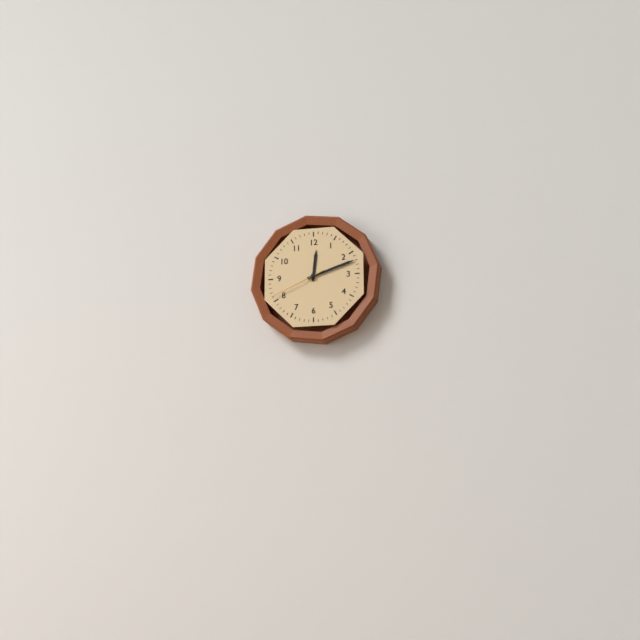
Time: {"hour": 12, "minute": 12, "second": 41}
